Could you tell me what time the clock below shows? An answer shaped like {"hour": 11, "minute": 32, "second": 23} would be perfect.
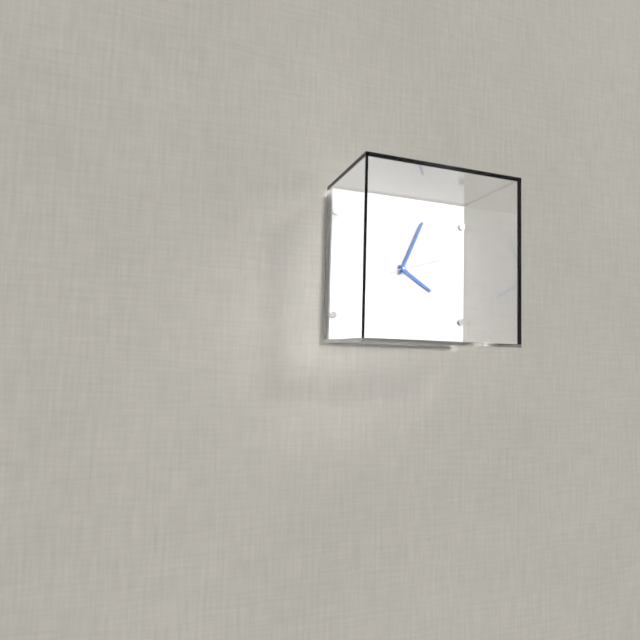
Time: {"hour": 4, "minute": 4, "second": 12}
